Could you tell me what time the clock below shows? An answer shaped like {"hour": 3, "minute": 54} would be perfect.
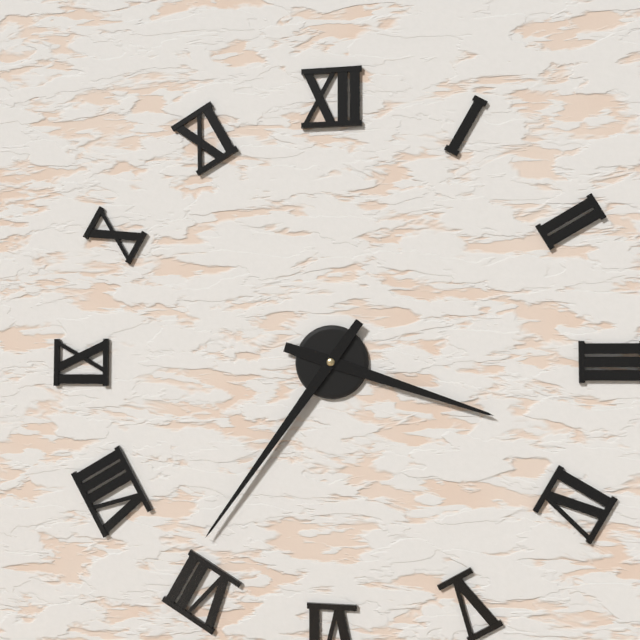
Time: {"hour": 3, "minute": 36}
